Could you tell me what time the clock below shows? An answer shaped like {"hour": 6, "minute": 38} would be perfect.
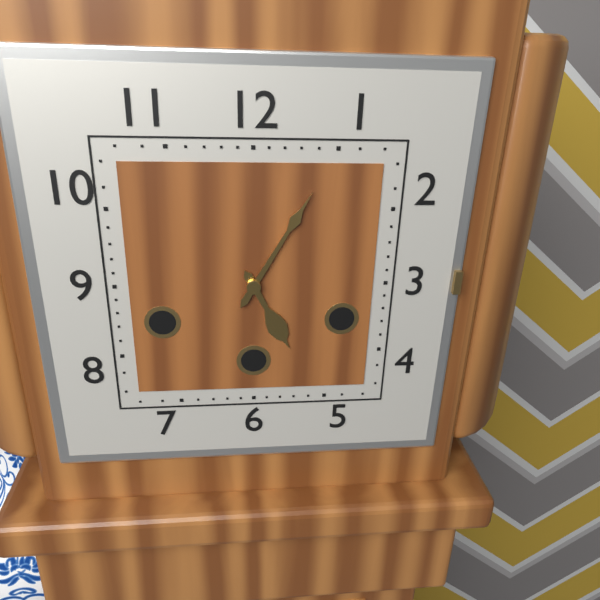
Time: {"hour": 5, "minute": 5}
